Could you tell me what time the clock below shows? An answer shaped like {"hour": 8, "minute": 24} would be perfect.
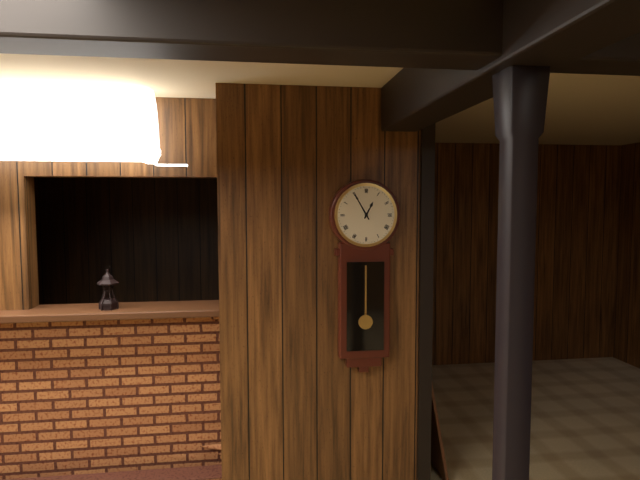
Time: {"hour": 12, "minute": 55}
